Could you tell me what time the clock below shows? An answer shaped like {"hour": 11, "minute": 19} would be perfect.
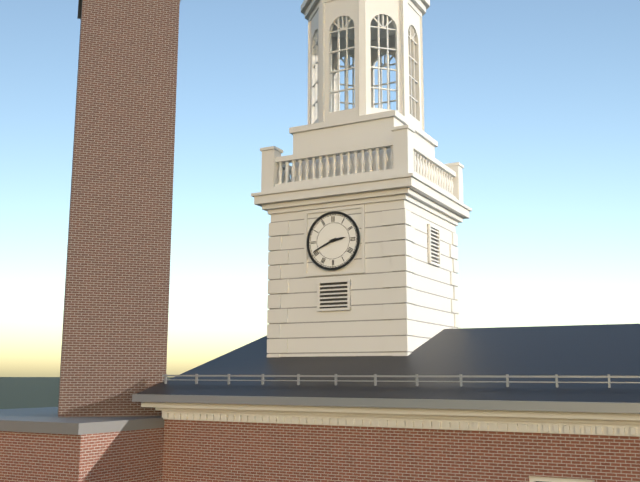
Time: {"hour": 2, "minute": 41}
